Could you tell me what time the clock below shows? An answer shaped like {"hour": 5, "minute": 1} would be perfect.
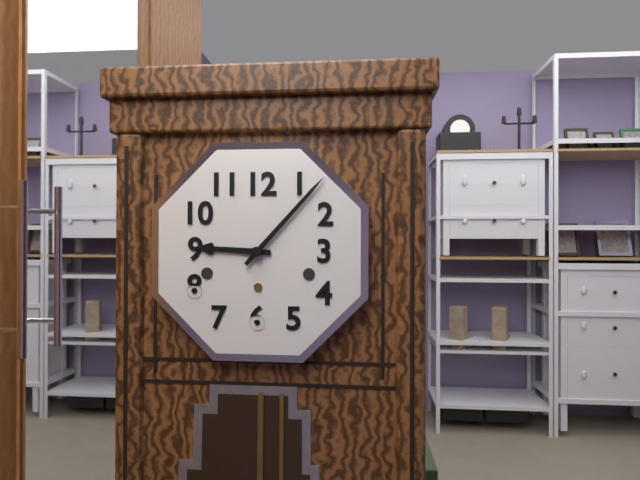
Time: {"hour": 9, "minute": 7}
